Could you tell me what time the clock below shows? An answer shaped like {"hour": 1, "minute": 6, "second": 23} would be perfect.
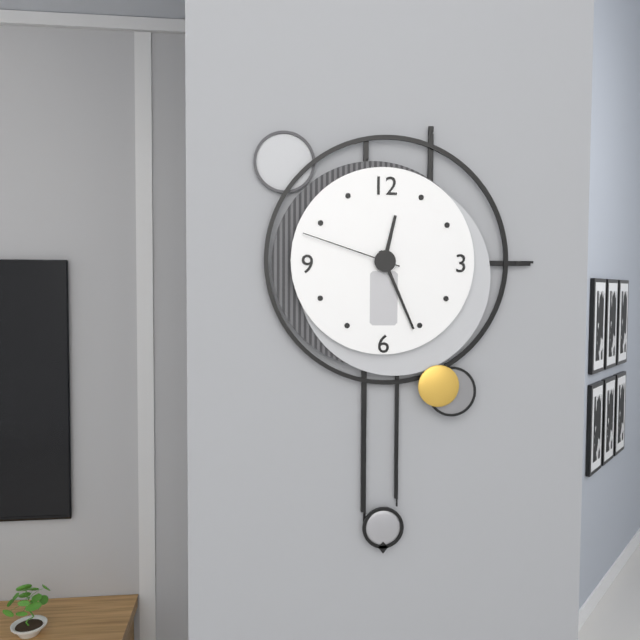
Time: {"hour": 12, "minute": 26, "second": 48}
